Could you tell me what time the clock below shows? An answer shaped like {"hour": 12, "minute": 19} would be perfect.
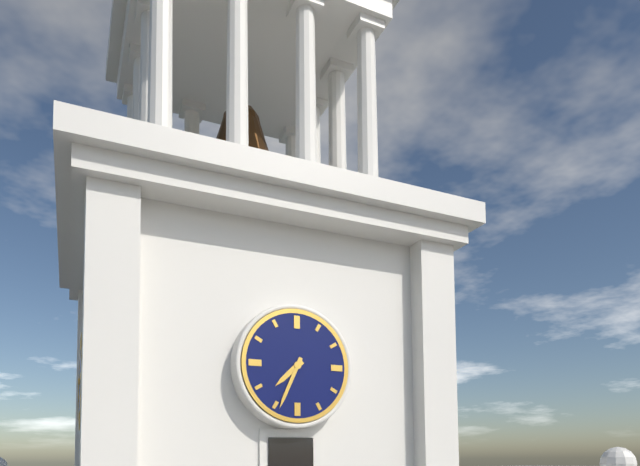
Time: {"hour": 7, "minute": 34}
